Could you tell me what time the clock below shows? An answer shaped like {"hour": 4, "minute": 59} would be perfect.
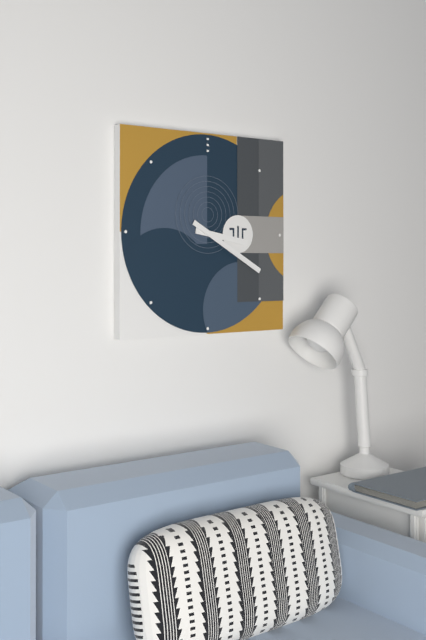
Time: {"hour": 3, "minute": 20}
